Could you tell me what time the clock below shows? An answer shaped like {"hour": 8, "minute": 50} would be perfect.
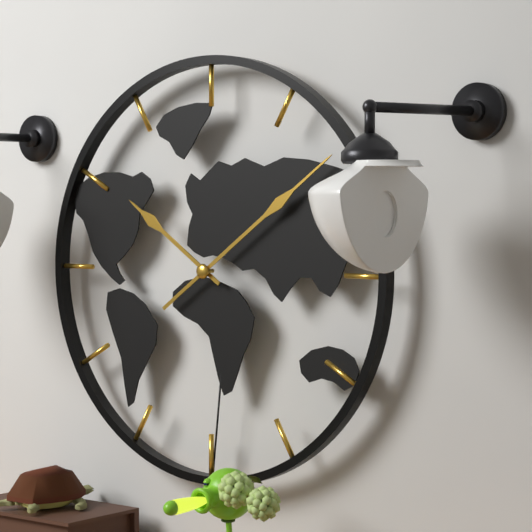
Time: {"hour": 10, "minute": 9}
